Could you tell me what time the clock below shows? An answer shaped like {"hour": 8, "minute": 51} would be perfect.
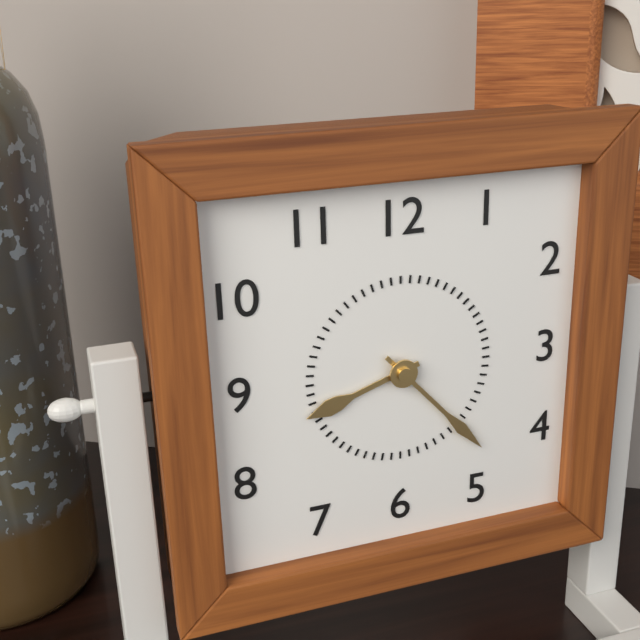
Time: {"hour": 8, "minute": 23}
